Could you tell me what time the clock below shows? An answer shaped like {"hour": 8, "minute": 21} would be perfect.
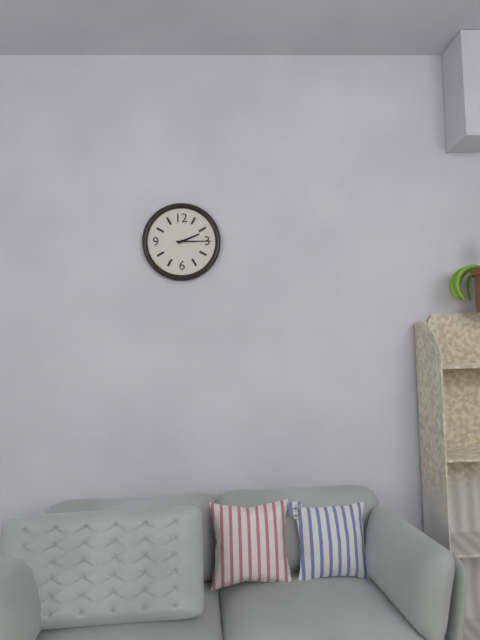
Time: {"hour": 2, "minute": 15}
